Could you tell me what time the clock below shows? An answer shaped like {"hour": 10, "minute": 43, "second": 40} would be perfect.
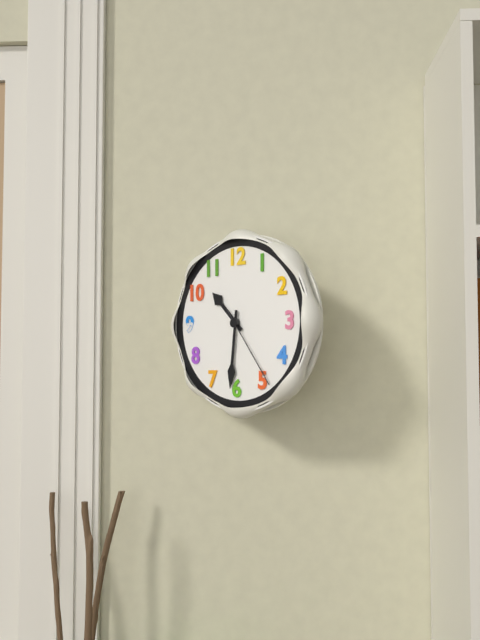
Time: {"hour": 10, "minute": 31, "second": 24}
